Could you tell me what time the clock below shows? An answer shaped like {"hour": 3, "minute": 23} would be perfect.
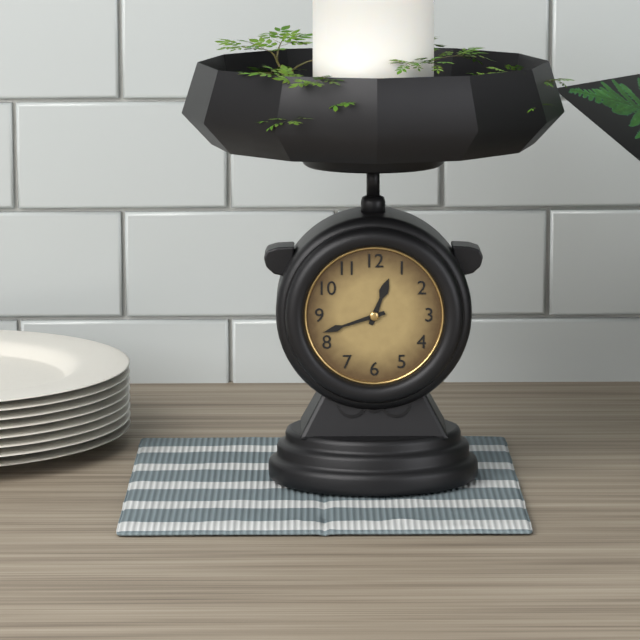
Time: {"hour": 12, "minute": 42}
